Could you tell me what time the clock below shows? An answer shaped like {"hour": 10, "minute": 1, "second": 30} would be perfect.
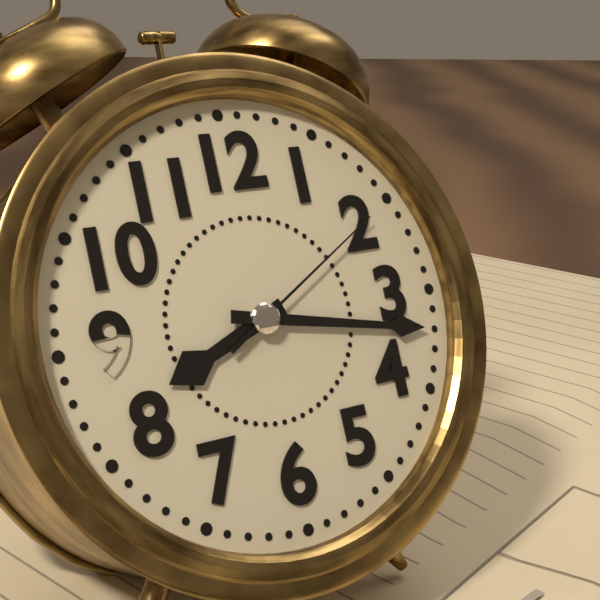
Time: {"hour": 8, "minute": 17, "second": 10}
